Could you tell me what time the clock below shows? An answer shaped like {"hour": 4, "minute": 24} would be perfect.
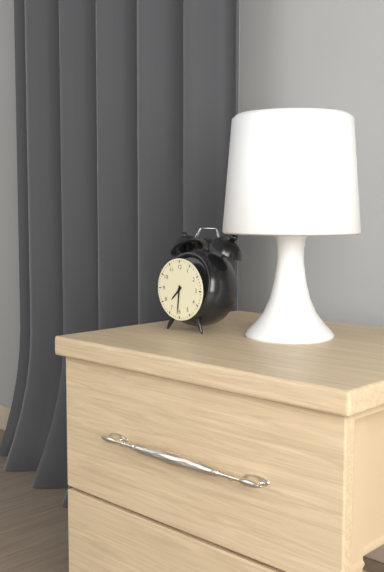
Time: {"hour": 7, "minute": 31}
